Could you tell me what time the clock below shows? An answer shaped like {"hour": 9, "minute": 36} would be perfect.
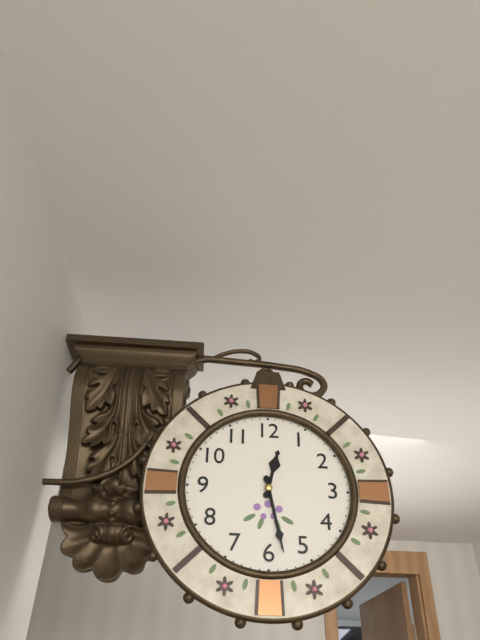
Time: {"hour": 12, "minute": 28}
